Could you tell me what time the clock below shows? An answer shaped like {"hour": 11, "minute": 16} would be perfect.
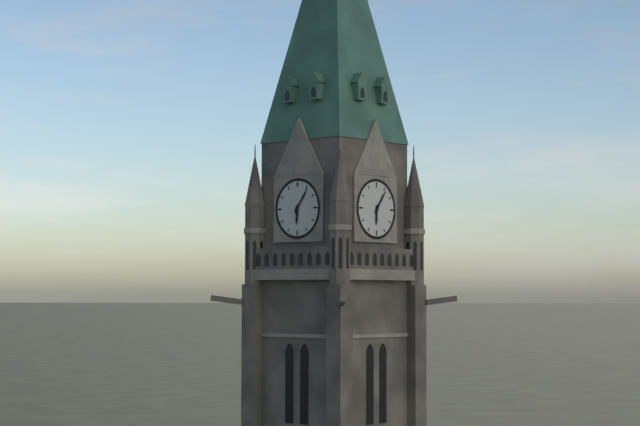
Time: {"hour": 6, "minute": 6}
